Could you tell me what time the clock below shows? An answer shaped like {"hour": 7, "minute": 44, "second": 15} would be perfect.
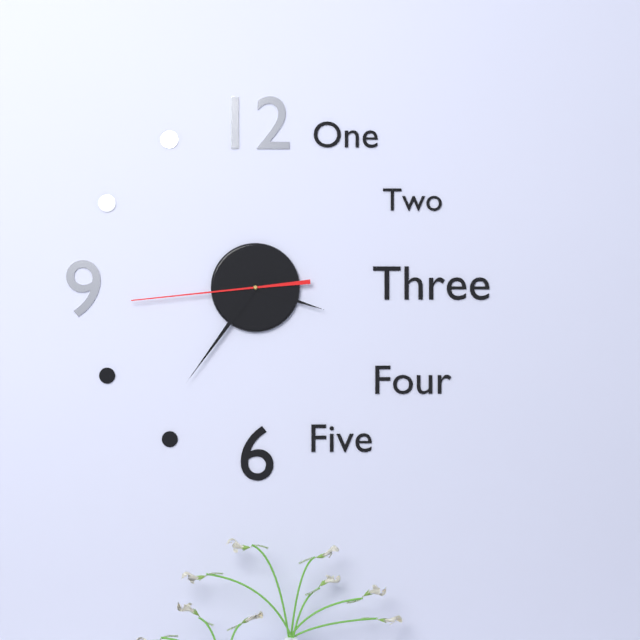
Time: {"hour": 3, "minute": 36, "second": 44}
